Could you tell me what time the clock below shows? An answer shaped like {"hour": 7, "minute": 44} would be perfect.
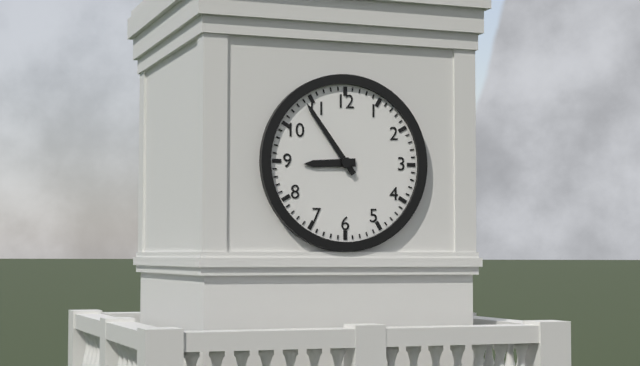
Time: {"hour": 8, "minute": 54}
